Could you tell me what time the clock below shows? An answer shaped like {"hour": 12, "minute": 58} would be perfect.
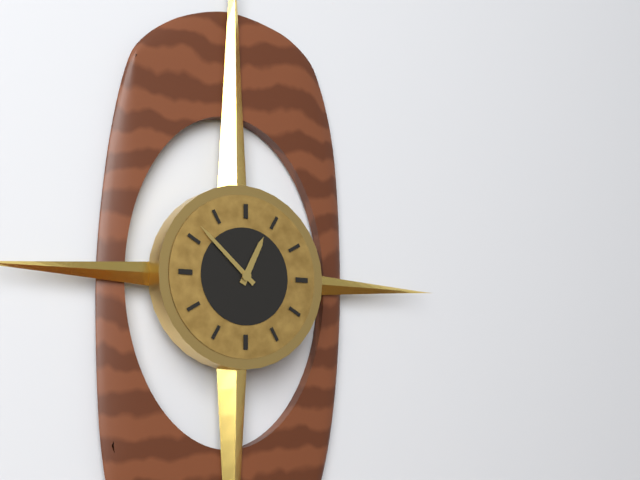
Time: {"hour": 12, "minute": 52}
